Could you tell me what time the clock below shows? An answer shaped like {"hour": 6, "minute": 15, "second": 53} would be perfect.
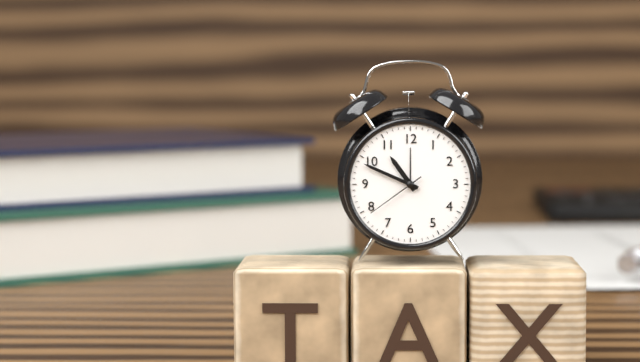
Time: {"hour": 10, "minute": 49, "second": 39}
